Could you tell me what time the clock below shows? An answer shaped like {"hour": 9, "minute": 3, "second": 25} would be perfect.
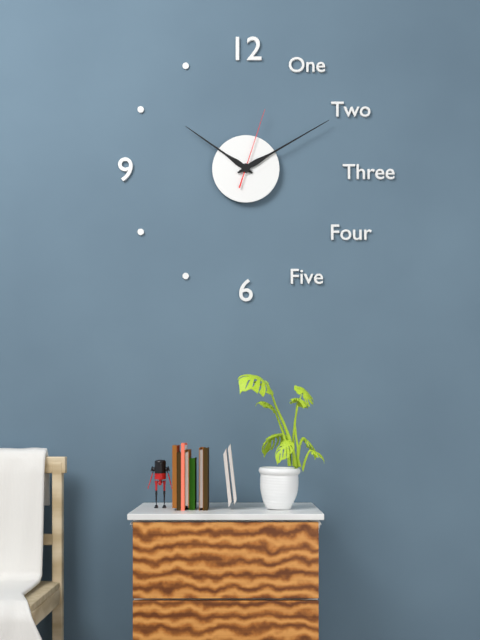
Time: {"hour": 10, "minute": 10, "second": 3}
